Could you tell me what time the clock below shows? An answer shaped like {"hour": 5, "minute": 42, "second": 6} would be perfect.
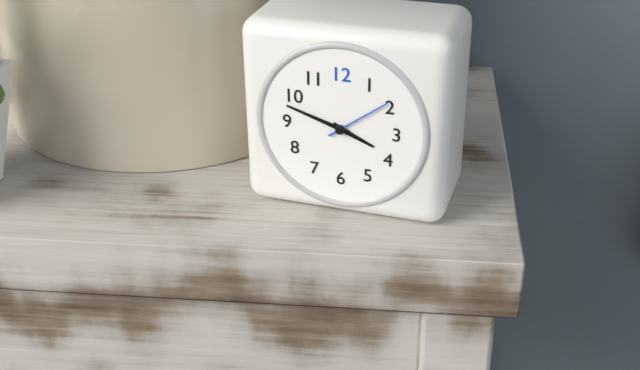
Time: {"hour": 3, "minute": 48, "second": 9}
